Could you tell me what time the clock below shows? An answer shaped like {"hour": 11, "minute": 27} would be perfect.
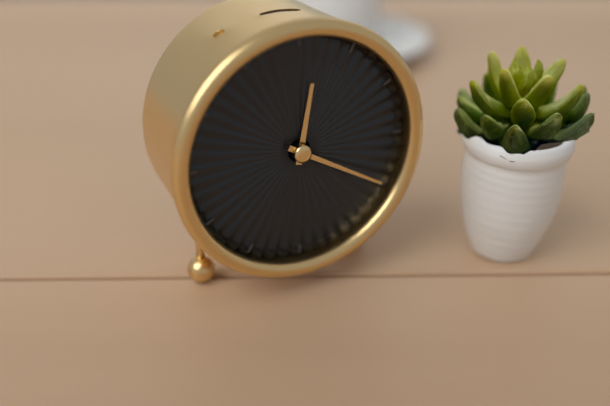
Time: {"hour": 12, "minute": 20}
